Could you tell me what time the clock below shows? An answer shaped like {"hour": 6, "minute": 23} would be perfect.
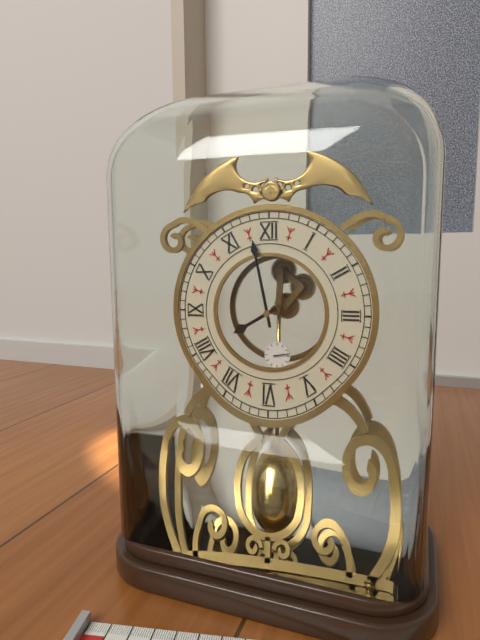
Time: {"hour": 7, "minute": 58}
